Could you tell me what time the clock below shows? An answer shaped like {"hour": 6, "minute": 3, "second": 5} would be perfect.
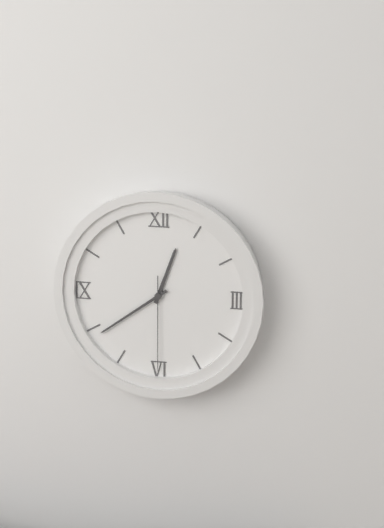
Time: {"hour": 12, "minute": 39, "second": 30}
